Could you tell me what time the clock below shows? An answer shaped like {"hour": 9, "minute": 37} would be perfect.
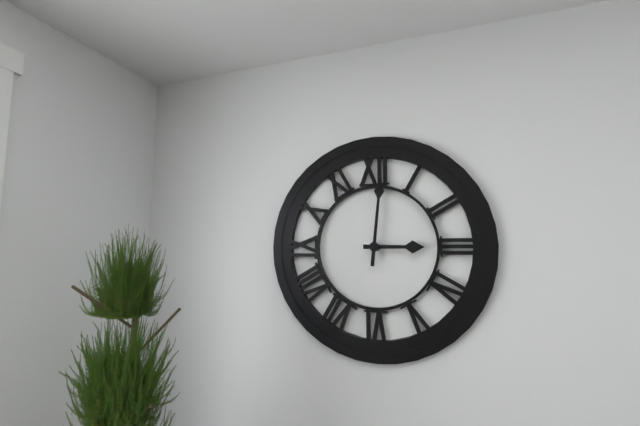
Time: {"hour": 3, "minute": 1}
